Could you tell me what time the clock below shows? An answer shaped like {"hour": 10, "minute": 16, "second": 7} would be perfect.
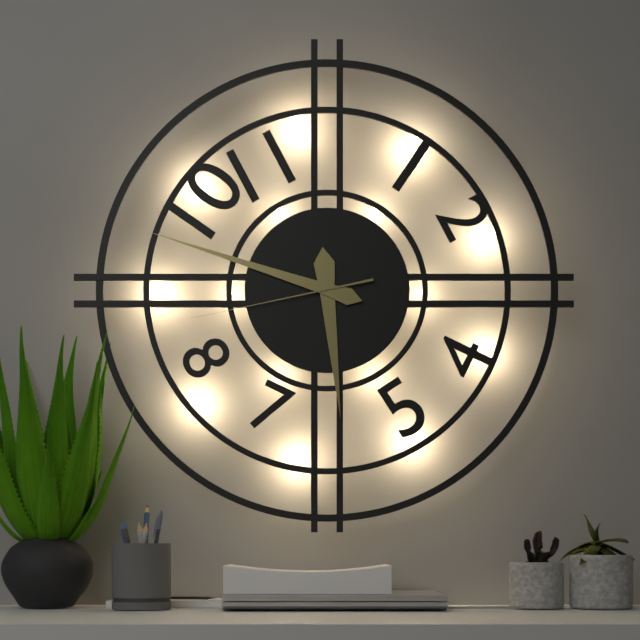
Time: {"hour": 5, "minute": 48, "second": 43}
